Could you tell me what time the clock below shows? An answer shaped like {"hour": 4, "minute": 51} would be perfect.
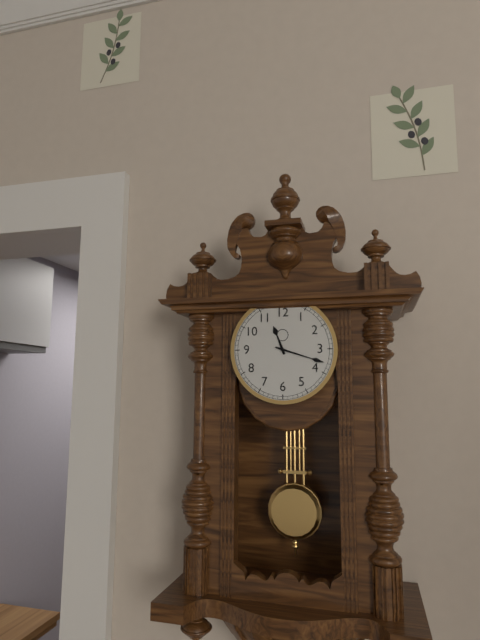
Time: {"hour": 11, "minute": 18}
